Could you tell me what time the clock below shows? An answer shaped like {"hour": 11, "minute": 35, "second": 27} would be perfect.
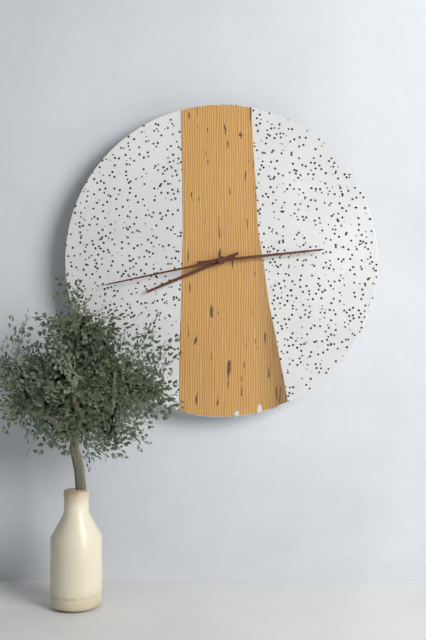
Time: {"hour": 8, "minute": 14, "second": 43}
